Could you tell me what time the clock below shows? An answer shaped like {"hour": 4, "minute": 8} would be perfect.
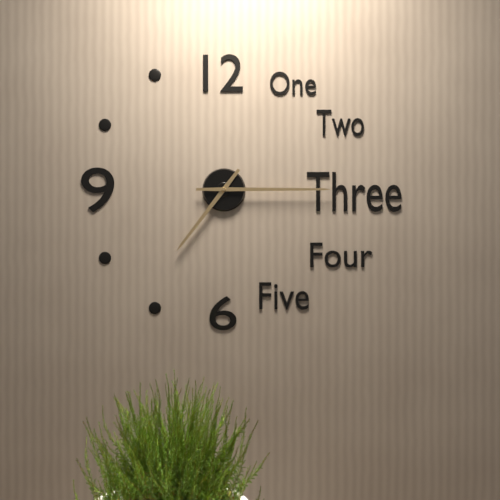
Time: {"hour": 7, "minute": 15}
